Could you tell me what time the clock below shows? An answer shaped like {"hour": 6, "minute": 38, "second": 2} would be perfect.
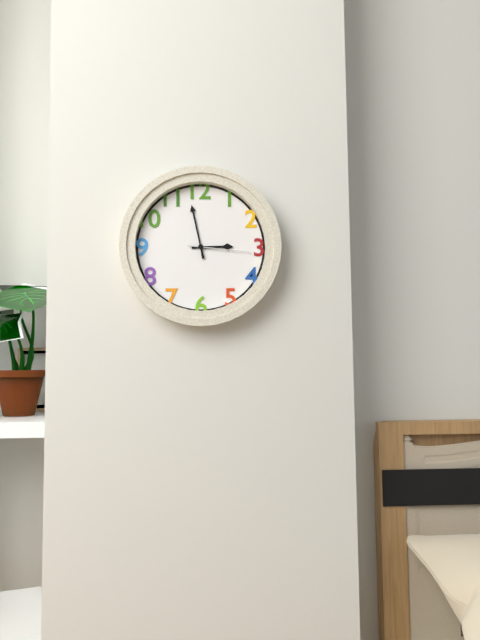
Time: {"hour": 2, "minute": 58, "second": 16}
